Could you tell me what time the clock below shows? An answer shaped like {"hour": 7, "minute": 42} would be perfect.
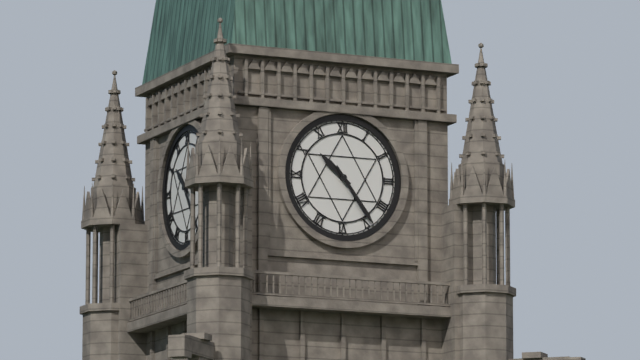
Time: {"hour": 10, "minute": 24}
